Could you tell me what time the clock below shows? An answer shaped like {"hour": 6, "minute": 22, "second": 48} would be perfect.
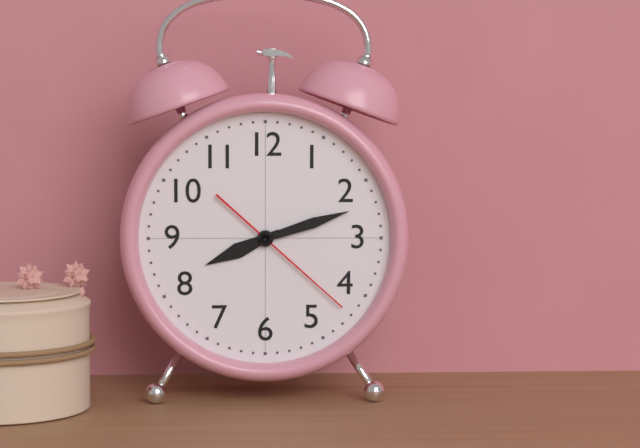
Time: {"hour": 8, "minute": 12, "second": 22}
